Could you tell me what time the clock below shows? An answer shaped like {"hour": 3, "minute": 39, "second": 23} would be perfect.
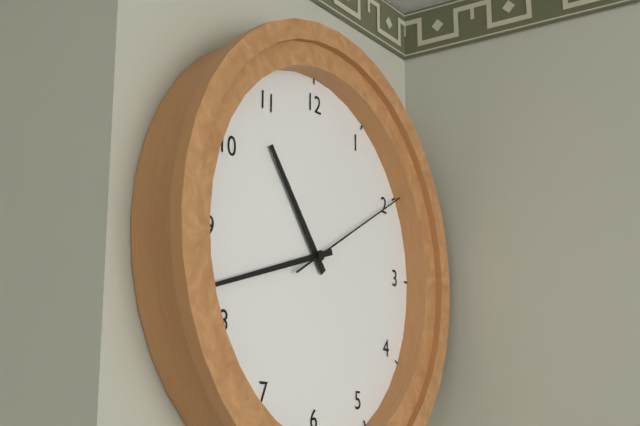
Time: {"hour": 10, "minute": 42, "second": 10}
